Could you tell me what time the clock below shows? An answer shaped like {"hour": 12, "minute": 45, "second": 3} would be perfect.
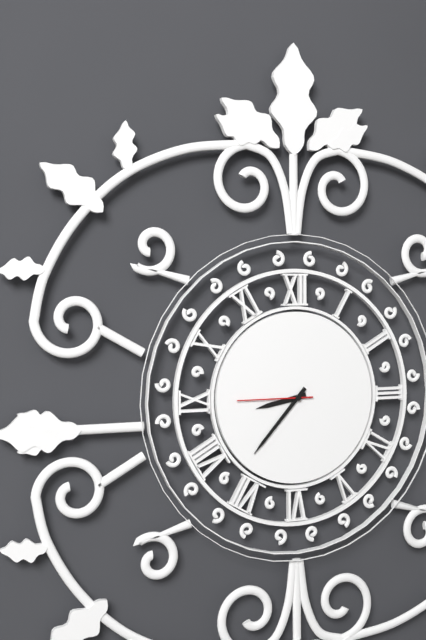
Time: {"hour": 8, "minute": 37, "second": 45}
